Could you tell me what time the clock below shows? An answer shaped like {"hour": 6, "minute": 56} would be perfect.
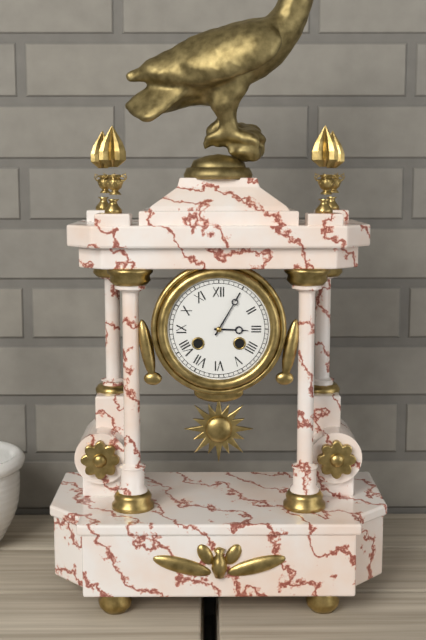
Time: {"hour": 3, "minute": 5}
